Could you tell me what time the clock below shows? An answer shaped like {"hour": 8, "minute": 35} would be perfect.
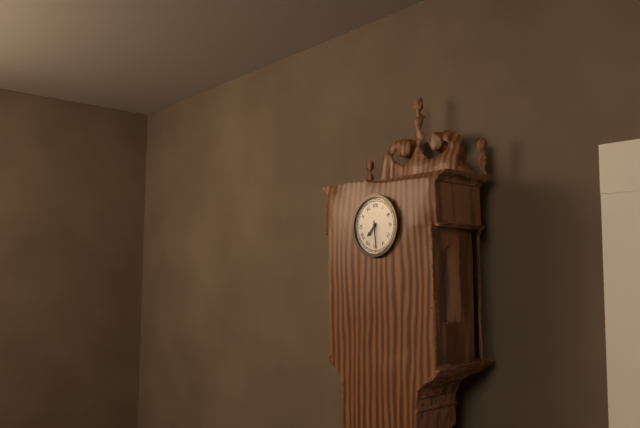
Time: {"hour": 7, "minute": 29}
